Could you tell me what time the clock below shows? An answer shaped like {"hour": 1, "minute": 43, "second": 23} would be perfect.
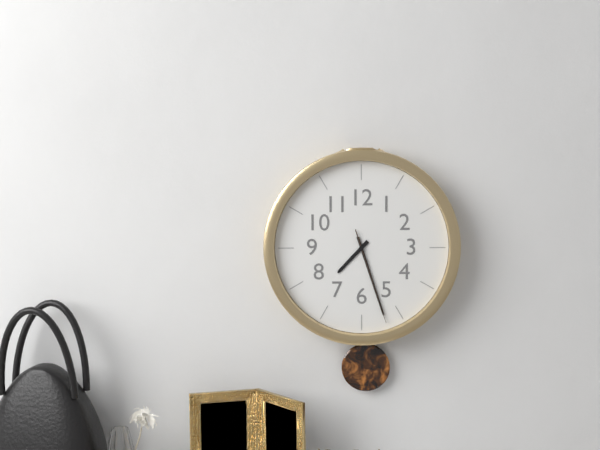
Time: {"hour": 7, "minute": 27, "second": 27}
